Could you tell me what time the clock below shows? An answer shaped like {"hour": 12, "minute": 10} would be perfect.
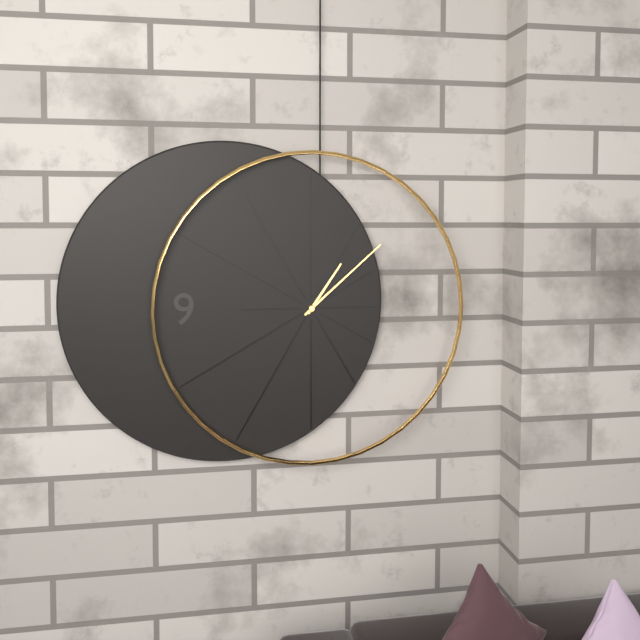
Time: {"hour": 1, "minute": 8}
